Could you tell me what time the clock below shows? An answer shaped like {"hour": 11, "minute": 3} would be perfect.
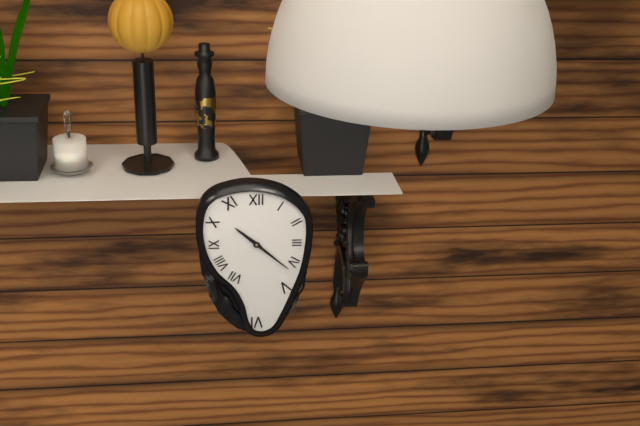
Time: {"hour": 10, "minute": 22}
